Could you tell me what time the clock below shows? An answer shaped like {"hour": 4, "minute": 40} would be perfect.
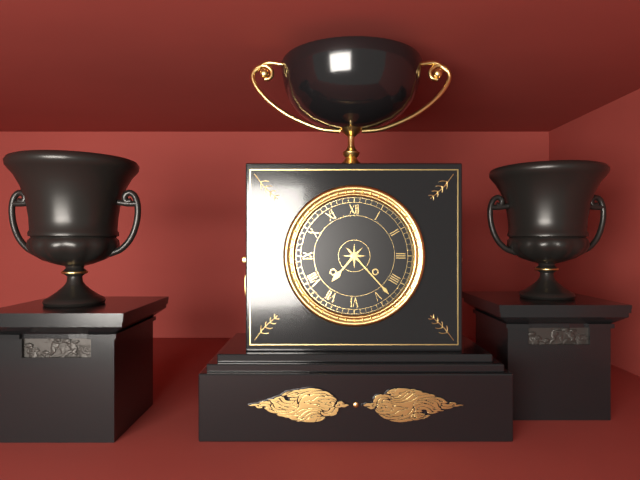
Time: {"hour": 7, "minute": 23}
